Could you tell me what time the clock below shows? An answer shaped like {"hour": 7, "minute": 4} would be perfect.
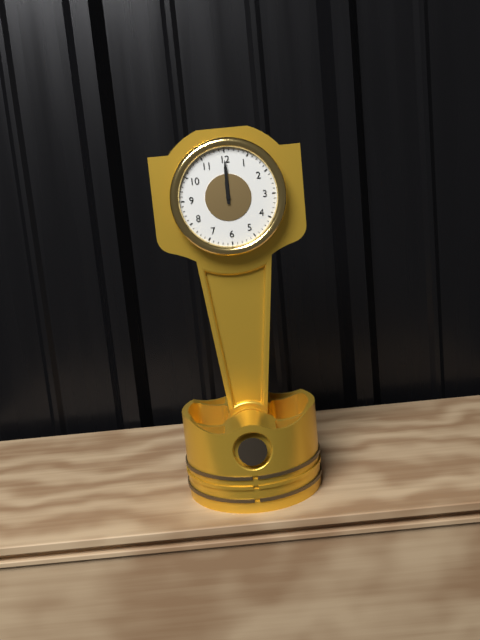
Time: {"hour": 12, "minute": 0}
